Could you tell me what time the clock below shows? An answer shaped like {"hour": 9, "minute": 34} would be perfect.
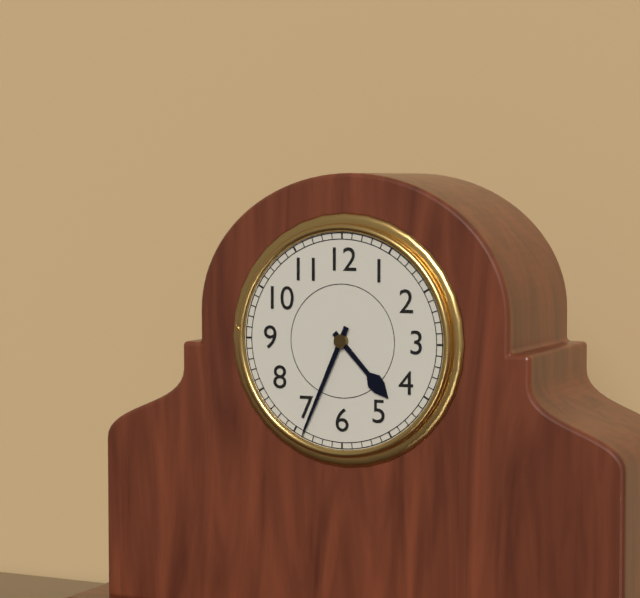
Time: {"hour": 4, "minute": 34}
